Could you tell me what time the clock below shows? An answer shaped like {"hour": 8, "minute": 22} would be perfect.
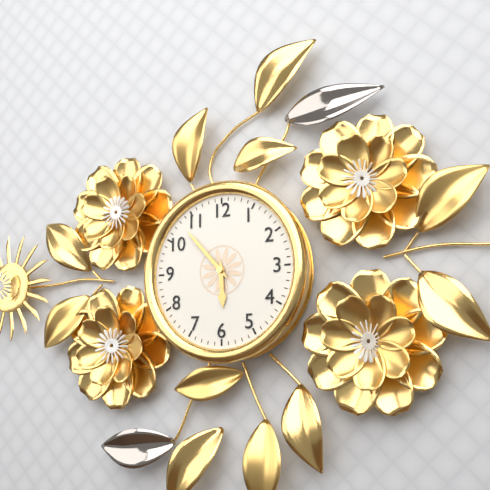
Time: {"hour": 5, "minute": 53}
